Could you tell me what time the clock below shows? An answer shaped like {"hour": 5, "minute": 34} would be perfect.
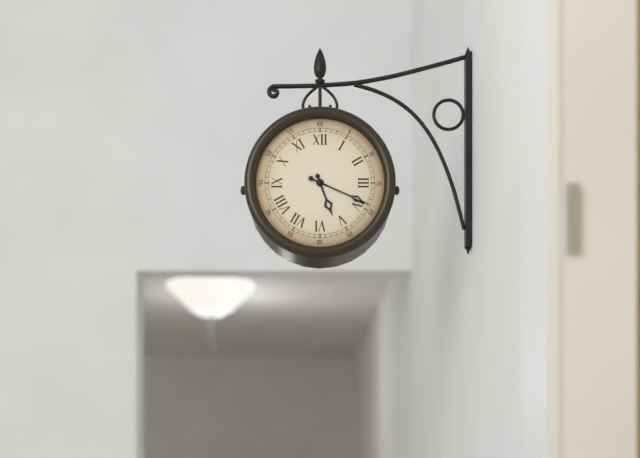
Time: {"hour": 5, "minute": 19}
